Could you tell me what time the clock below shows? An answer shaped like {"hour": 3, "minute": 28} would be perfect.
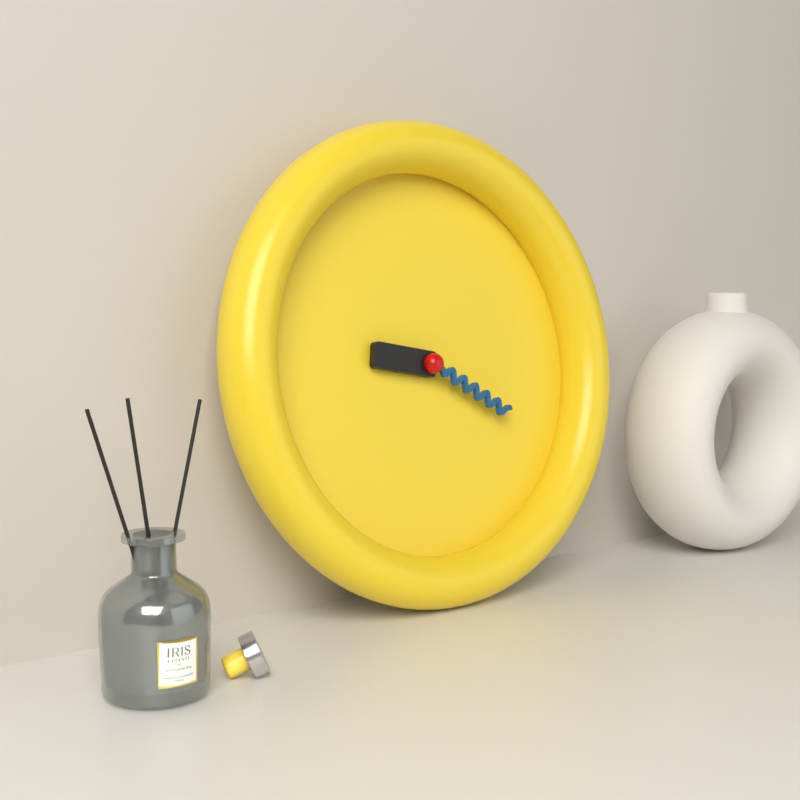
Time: {"hour": 9, "minute": 20}
